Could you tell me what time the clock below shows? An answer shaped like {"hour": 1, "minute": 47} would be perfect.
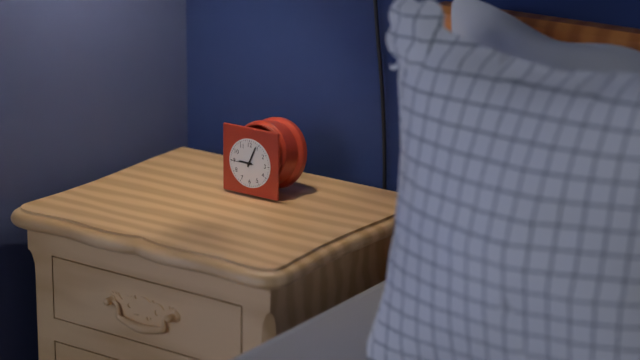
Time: {"hour": 9, "minute": 4}
